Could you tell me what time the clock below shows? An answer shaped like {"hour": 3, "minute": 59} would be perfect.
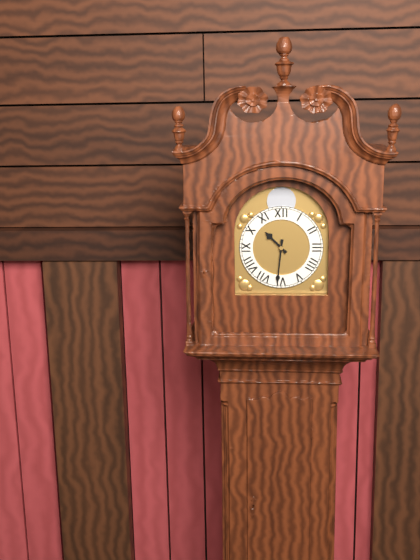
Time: {"hour": 10, "minute": 31}
